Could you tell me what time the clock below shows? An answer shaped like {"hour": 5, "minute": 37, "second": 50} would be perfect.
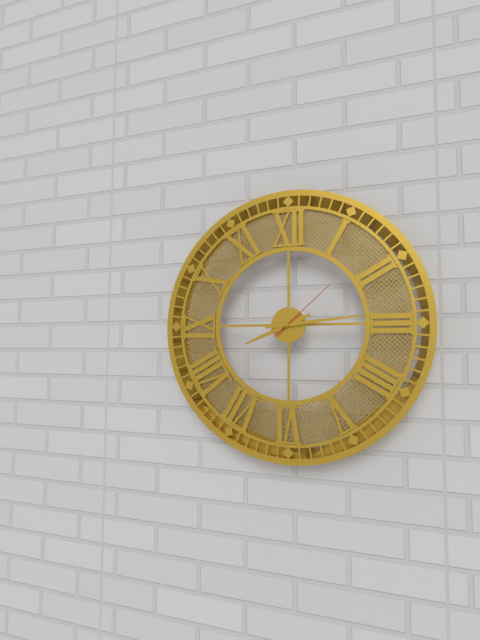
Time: {"hour": 8, "minute": 14, "second": 8}
